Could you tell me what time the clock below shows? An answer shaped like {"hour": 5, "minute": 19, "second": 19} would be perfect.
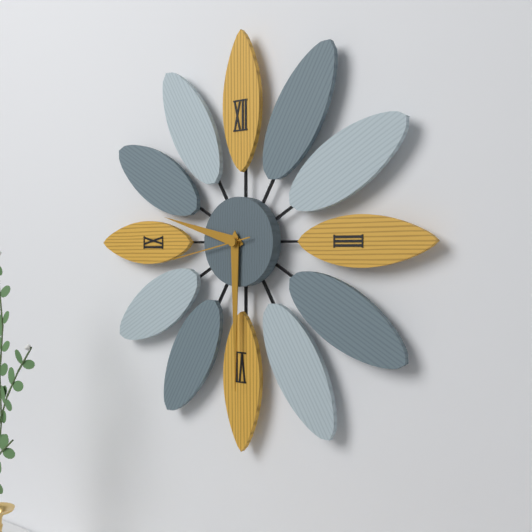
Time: {"hour": 9, "minute": 30, "second": 43}
